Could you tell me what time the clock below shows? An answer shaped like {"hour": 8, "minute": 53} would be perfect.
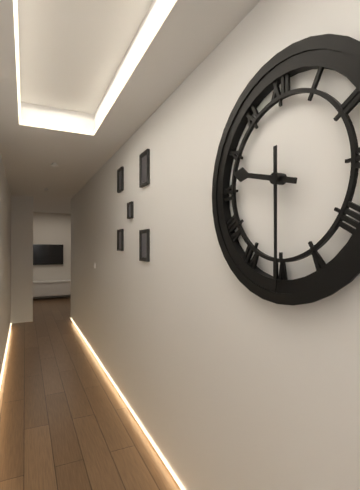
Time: {"hour": 9, "minute": 30}
